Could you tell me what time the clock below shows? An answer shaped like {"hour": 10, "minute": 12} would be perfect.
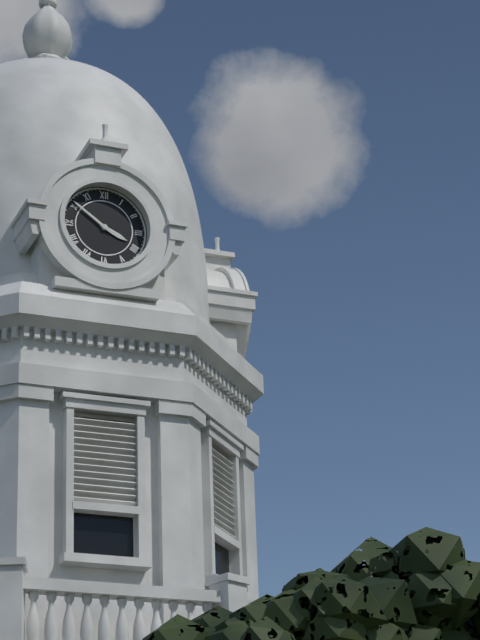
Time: {"hour": 3, "minute": 51}
